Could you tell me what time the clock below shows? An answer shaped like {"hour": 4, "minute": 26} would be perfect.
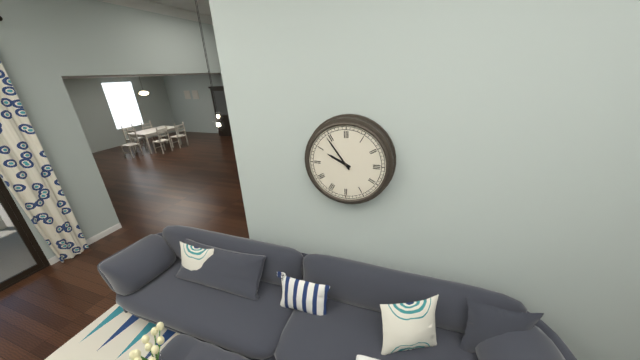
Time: {"hour": 9, "minute": 54}
